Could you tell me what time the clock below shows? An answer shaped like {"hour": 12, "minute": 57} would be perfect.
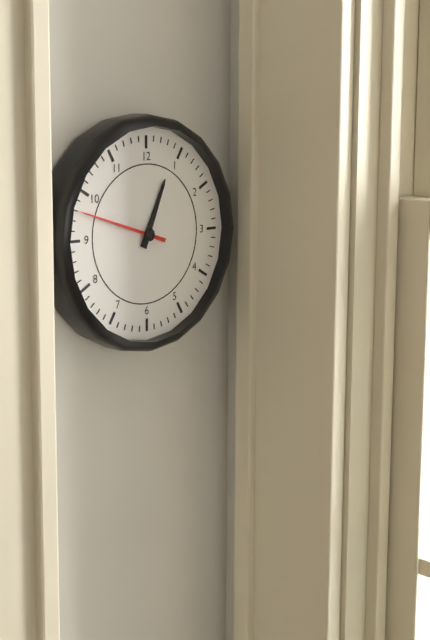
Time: {"hour": 12, "minute": 48}
